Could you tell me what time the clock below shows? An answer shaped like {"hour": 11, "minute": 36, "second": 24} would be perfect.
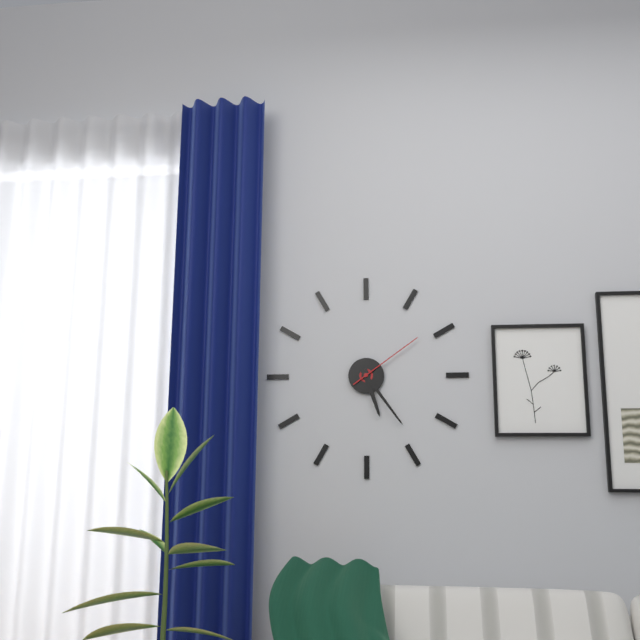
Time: {"hour": 5, "minute": 24, "second": 9}
